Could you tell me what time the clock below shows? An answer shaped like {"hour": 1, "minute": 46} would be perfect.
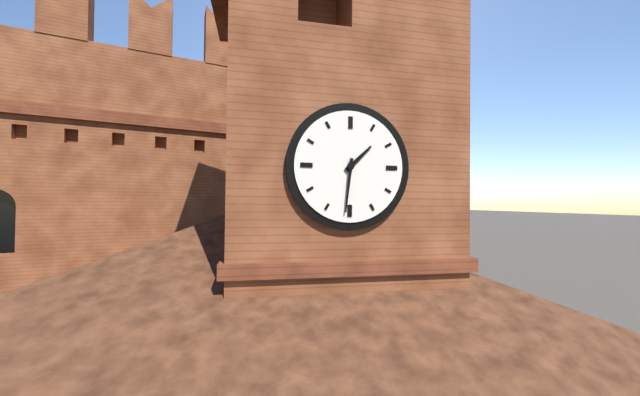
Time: {"hour": 1, "minute": 31}
